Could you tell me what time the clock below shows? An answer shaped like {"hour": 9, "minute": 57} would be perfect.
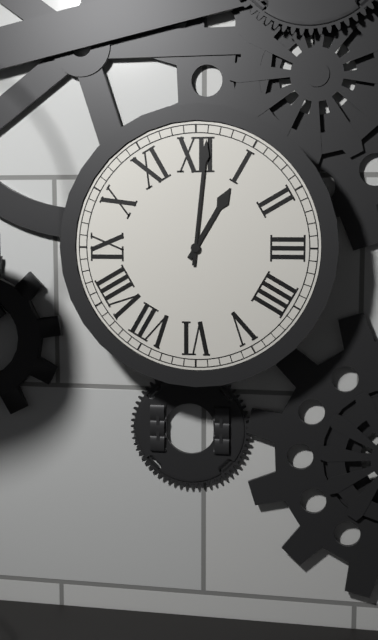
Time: {"hour": 1, "minute": 1}
